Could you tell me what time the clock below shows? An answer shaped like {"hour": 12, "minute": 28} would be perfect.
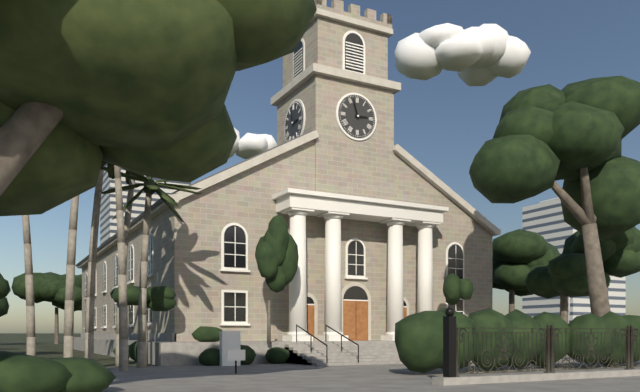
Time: {"hour": 2, "minute": 57}
